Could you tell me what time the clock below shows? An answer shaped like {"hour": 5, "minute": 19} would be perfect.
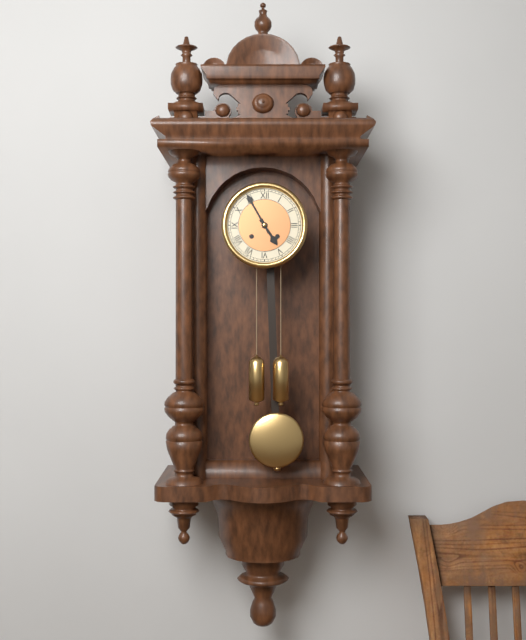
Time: {"hour": 4, "minute": 55}
